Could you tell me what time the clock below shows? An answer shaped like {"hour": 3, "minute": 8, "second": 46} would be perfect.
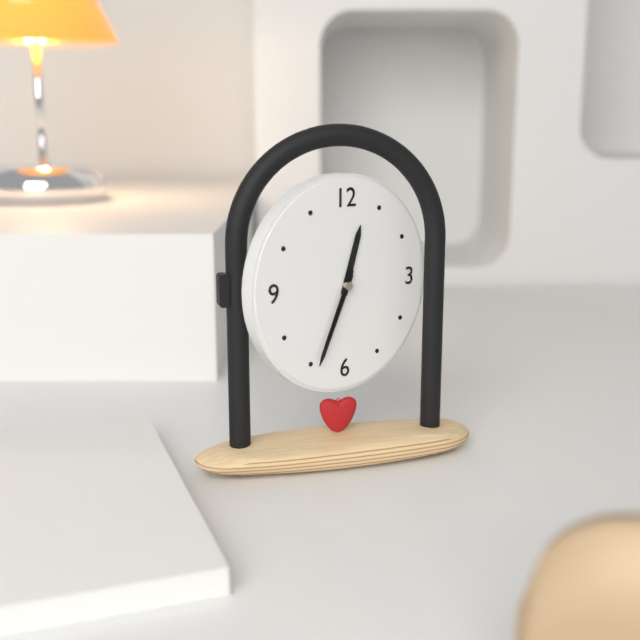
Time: {"hour": 12, "minute": 34, "second": 34}
